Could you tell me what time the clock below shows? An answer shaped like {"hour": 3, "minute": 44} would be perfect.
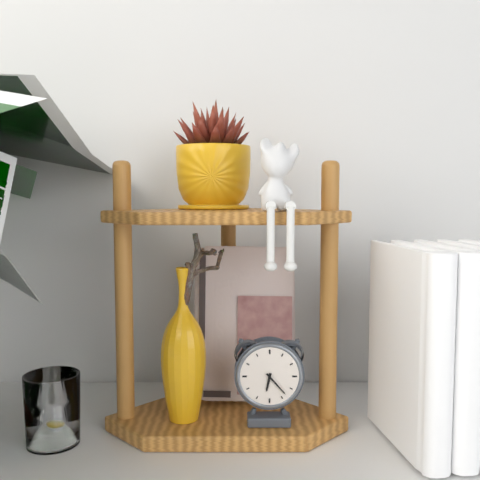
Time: {"hour": 6, "minute": 23}
